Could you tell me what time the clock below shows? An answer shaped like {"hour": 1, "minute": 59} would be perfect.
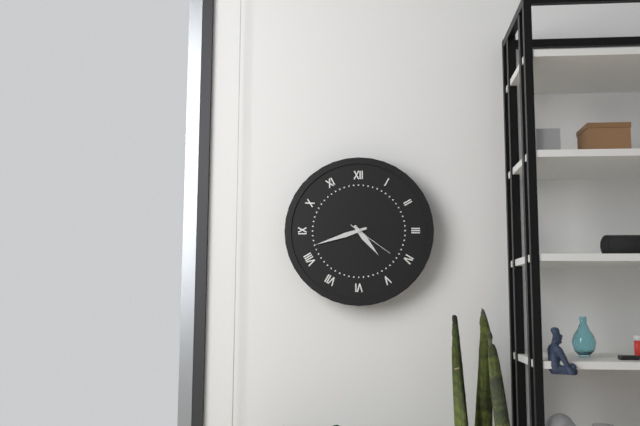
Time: {"hour": 4, "minute": 42}
